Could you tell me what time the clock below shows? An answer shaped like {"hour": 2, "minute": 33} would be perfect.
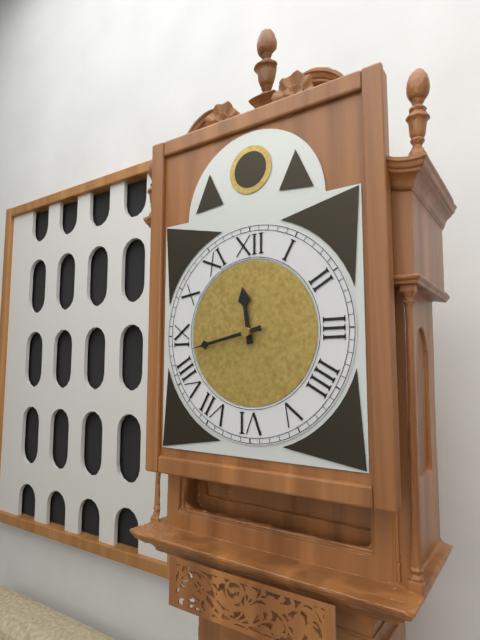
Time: {"hour": 11, "minute": 43}
